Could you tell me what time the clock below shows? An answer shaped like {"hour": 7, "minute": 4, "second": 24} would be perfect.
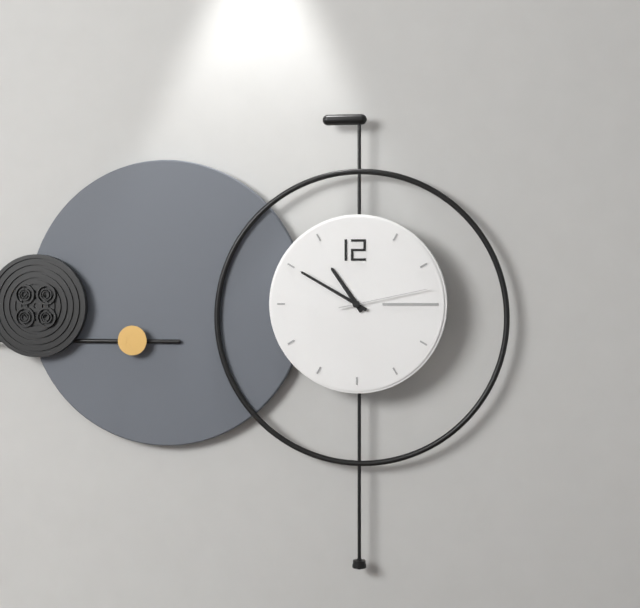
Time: {"hour": 10, "minute": 50, "second": 13}
